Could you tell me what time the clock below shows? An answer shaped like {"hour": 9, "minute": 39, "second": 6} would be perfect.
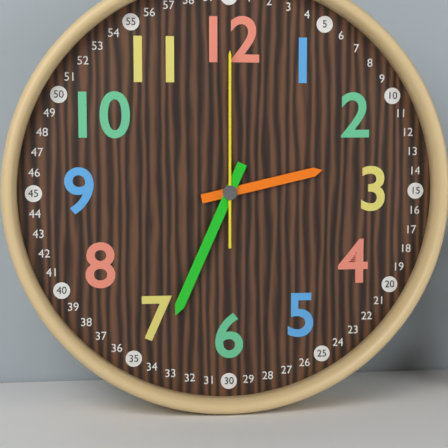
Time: {"hour": 2, "minute": 34, "second": 0}
